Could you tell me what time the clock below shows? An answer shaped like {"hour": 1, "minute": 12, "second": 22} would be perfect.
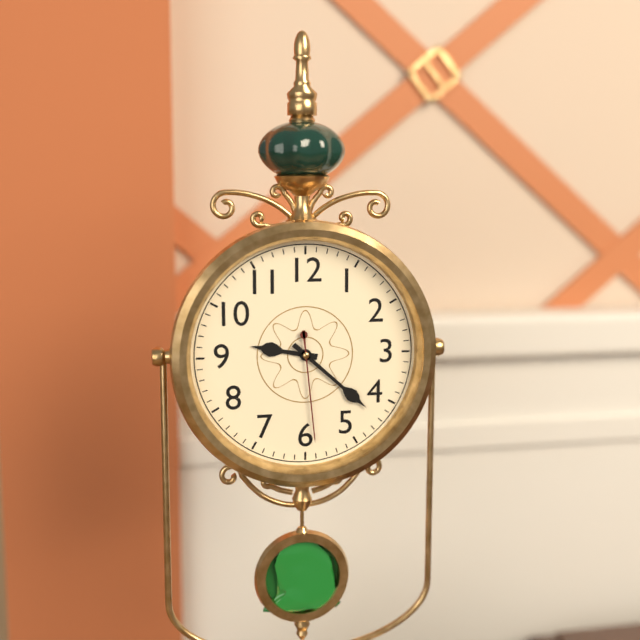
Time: {"hour": 9, "minute": 22, "second": 29}
